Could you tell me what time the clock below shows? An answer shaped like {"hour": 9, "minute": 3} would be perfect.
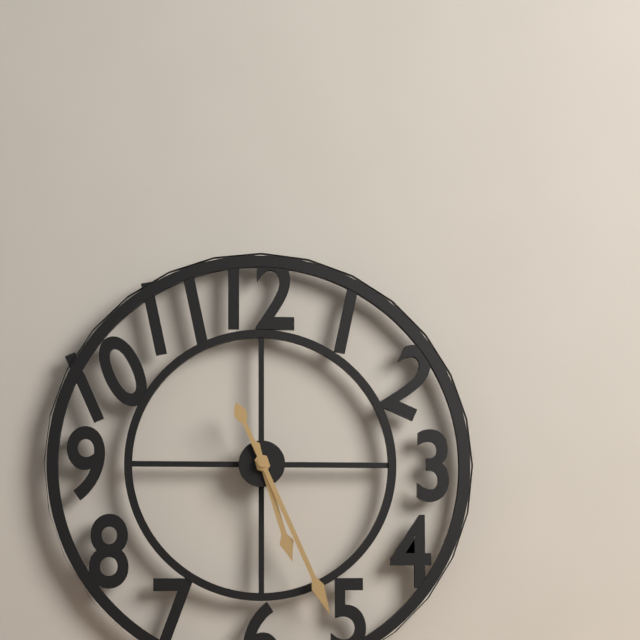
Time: {"hour": 5, "minute": 26}
